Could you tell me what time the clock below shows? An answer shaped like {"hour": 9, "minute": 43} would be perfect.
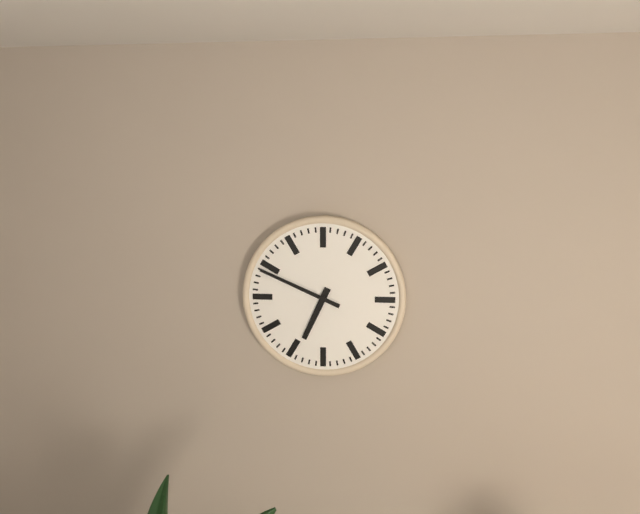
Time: {"hour": 6, "minute": 49}
